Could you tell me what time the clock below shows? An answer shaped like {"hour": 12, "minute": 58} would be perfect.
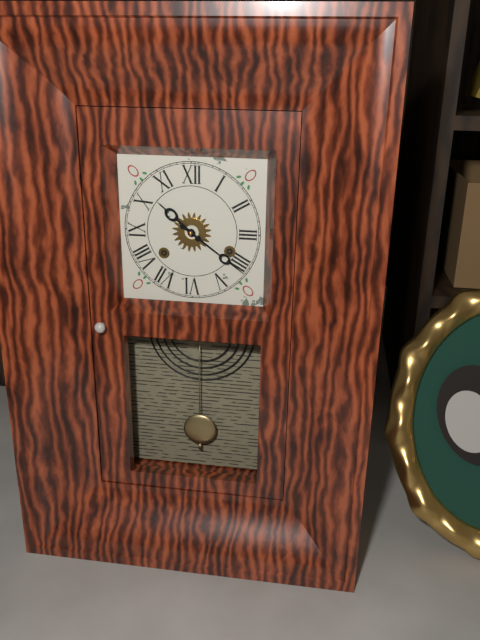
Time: {"hour": 10, "minute": 21}
